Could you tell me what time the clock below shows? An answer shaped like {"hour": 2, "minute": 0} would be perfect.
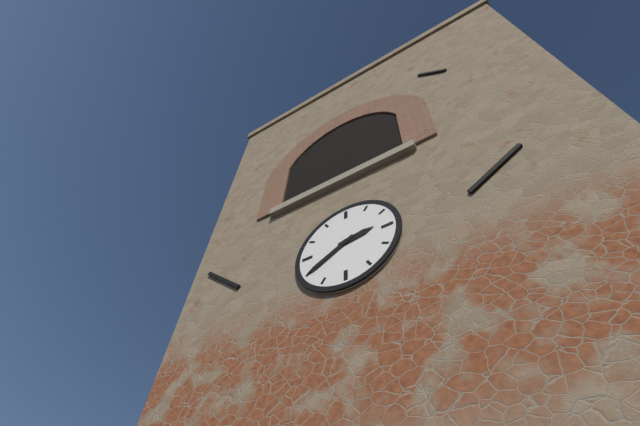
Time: {"hour": 2, "minute": 40}
